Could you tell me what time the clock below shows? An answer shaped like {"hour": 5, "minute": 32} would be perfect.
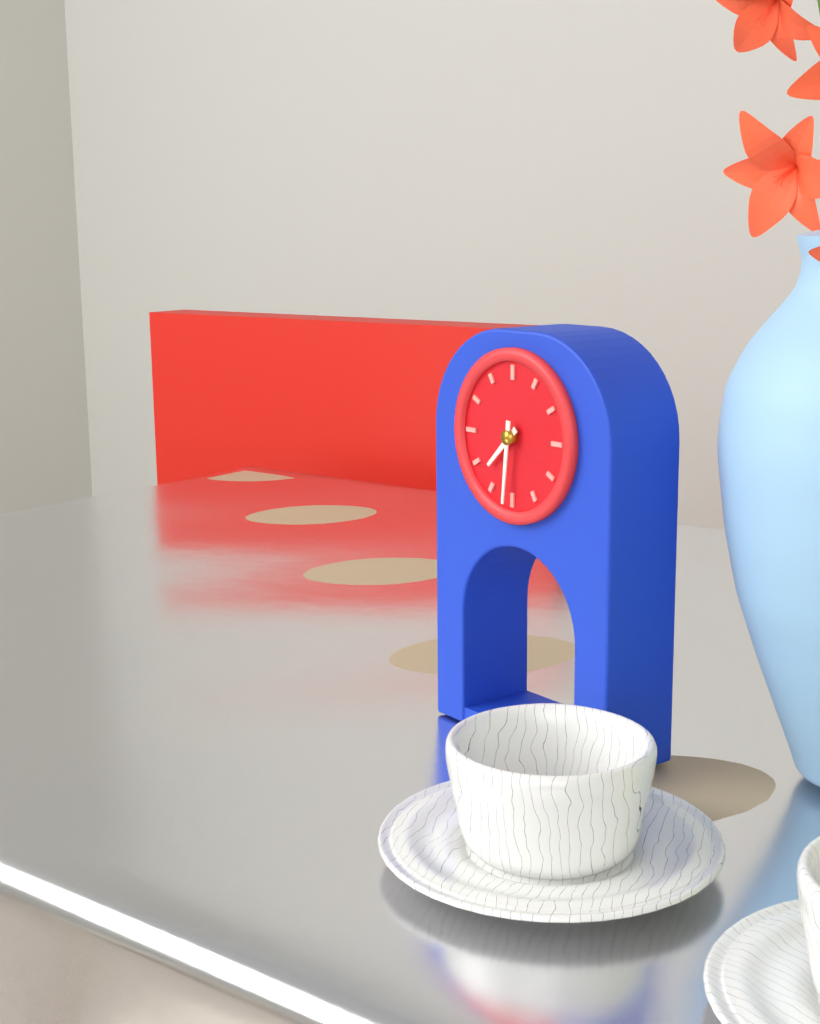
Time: {"hour": 7, "minute": 31}
